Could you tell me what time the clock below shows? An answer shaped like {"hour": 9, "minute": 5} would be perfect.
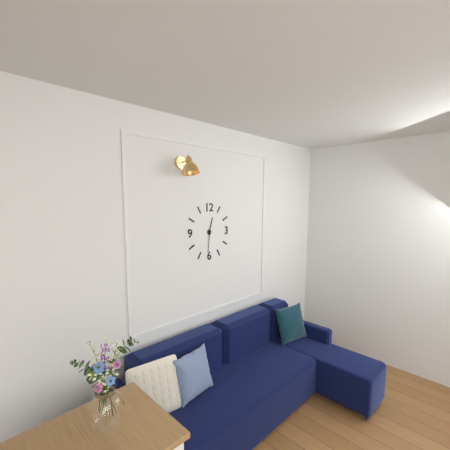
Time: {"hour": 12, "minute": 31}
